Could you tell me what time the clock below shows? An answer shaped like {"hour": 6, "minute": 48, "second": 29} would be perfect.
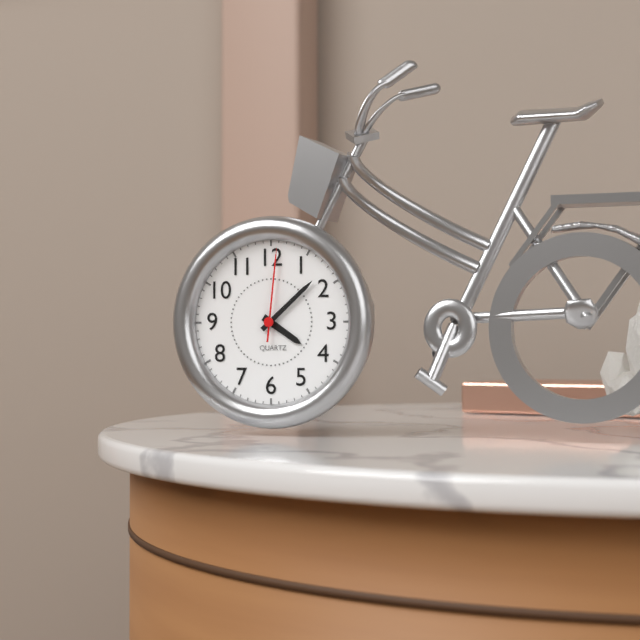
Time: {"hour": 4, "minute": 8, "second": 1}
